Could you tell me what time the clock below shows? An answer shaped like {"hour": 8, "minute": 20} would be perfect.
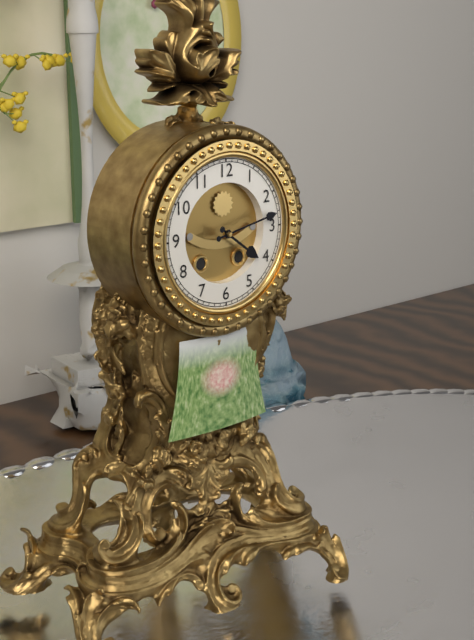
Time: {"hour": 4, "minute": 13}
